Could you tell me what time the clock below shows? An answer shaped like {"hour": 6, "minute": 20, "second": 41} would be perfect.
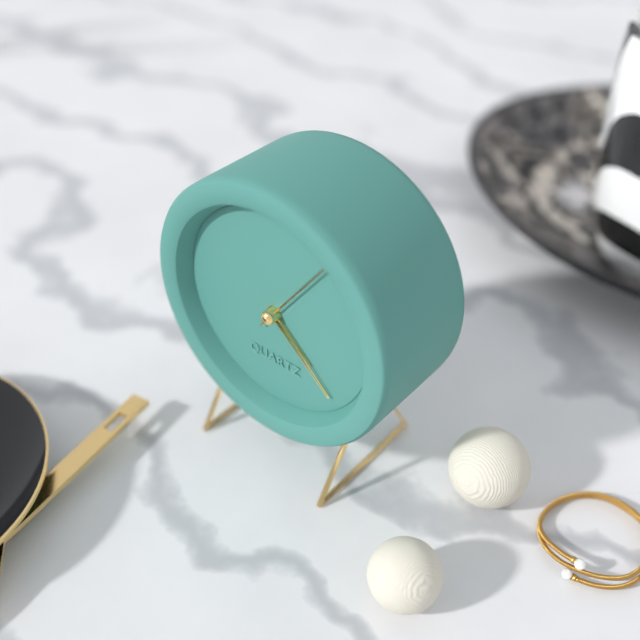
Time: {"hour": 4, "minute": 22, "second": 6}
